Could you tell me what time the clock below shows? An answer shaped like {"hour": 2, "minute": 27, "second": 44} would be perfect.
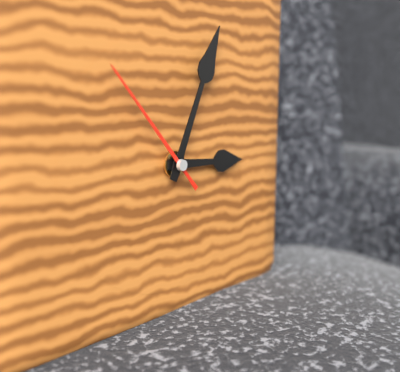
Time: {"hour": 3, "minute": 4, "second": 53}
